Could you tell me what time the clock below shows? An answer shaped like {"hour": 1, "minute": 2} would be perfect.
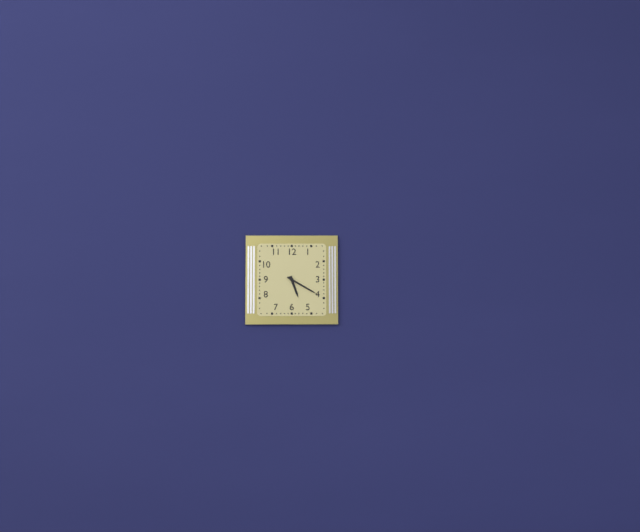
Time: {"hour": 5, "minute": 20}
